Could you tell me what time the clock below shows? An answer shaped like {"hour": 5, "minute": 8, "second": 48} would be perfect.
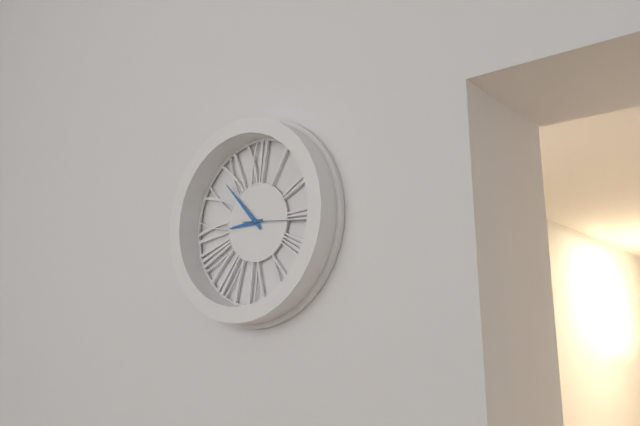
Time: {"hour": 8, "minute": 53, "second": 16}
